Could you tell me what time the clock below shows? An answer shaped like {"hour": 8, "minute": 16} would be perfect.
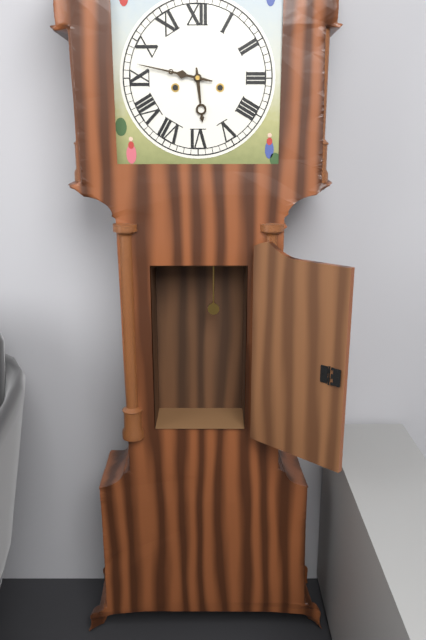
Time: {"hour": 5, "minute": 47}
